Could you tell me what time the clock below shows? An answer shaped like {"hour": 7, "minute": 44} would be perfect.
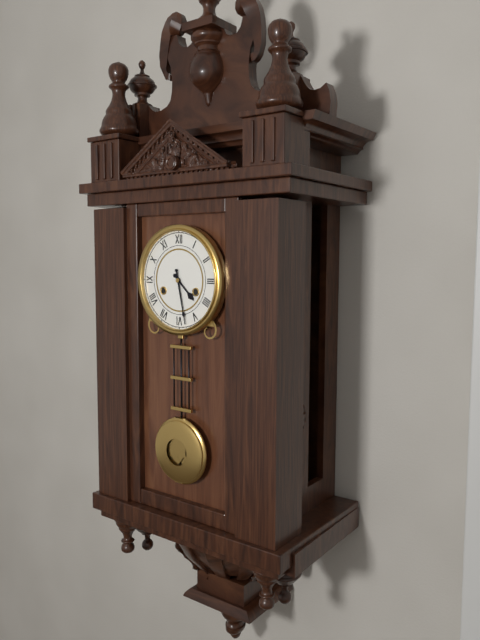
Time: {"hour": 4, "minute": 28}
